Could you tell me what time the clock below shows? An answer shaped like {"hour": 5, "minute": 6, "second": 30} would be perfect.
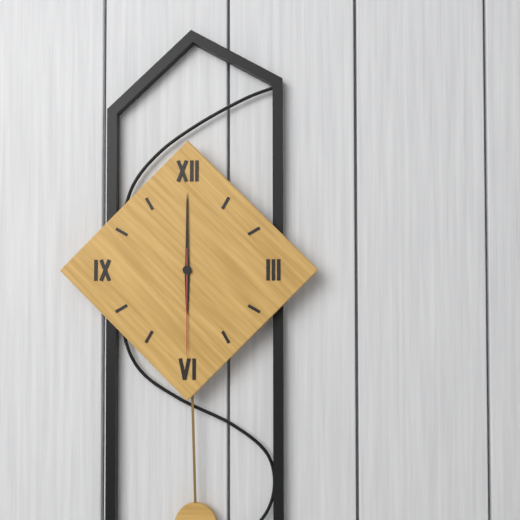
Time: {"hour": 6, "minute": 0, "second": 30}
